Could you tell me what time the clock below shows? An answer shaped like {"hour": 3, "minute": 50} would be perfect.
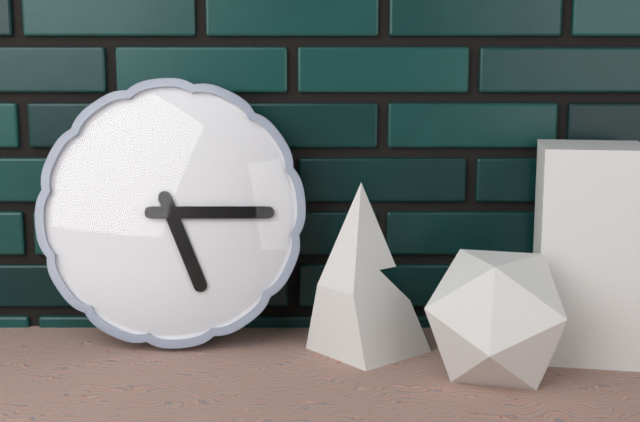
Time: {"hour": 5, "minute": 15}
